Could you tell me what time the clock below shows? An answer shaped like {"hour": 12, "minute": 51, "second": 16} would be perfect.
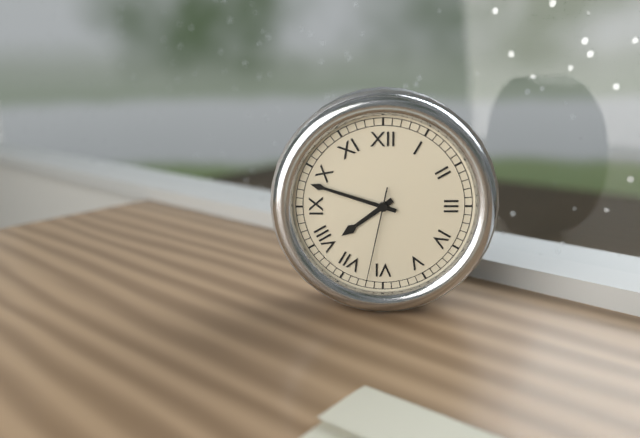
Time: {"hour": 7, "minute": 48, "second": 32}
